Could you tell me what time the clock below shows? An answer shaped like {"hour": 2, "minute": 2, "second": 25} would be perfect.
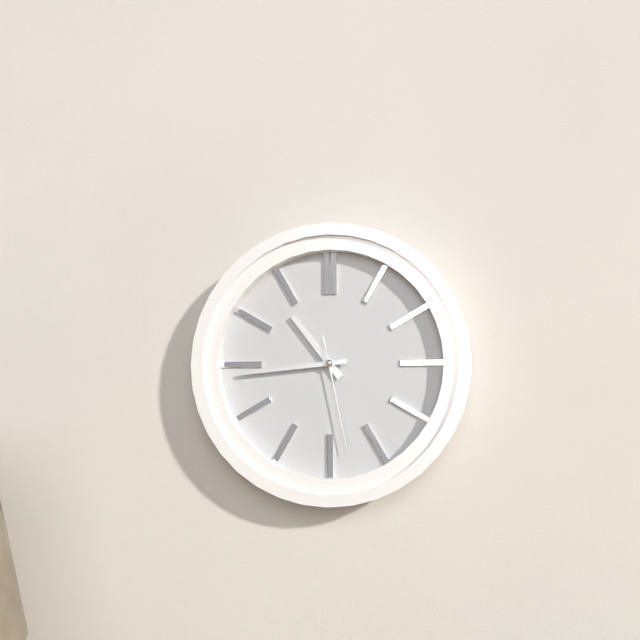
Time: {"hour": 10, "minute": 44, "second": 28}
